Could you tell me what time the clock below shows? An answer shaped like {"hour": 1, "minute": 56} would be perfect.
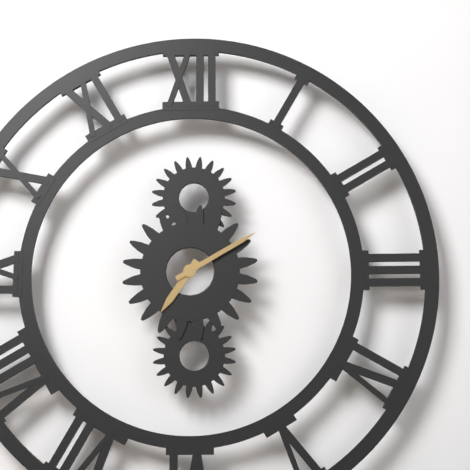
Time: {"hour": 7, "minute": 10}
